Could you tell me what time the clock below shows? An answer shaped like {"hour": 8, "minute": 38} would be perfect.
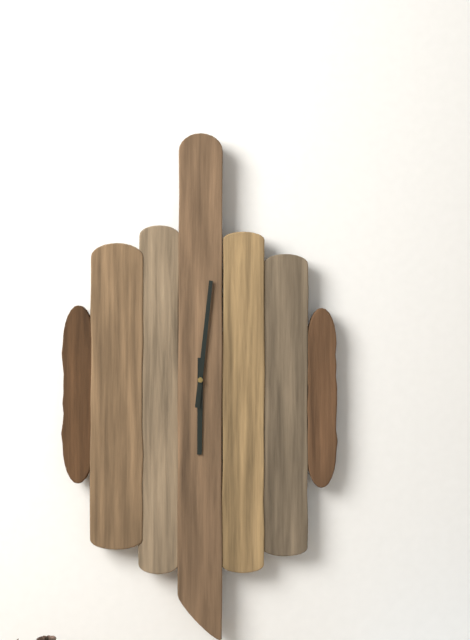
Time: {"hour": 6, "minute": 1}
